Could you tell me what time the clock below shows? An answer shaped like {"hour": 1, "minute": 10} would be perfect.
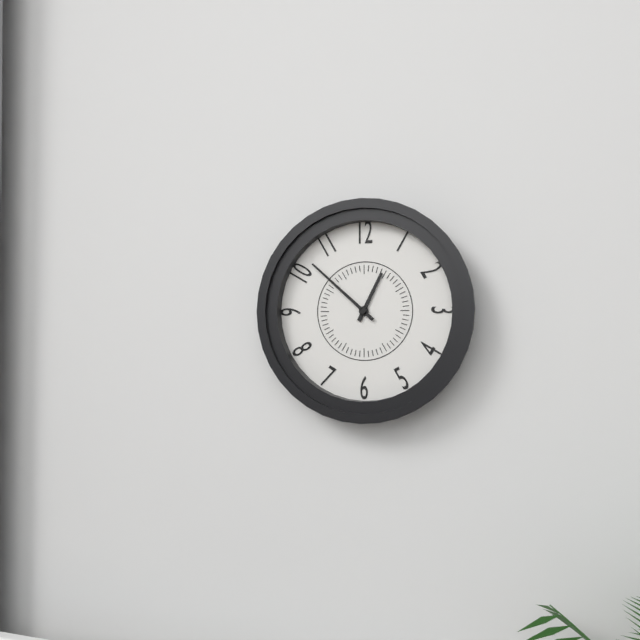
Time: {"hour": 12, "minute": 52}
